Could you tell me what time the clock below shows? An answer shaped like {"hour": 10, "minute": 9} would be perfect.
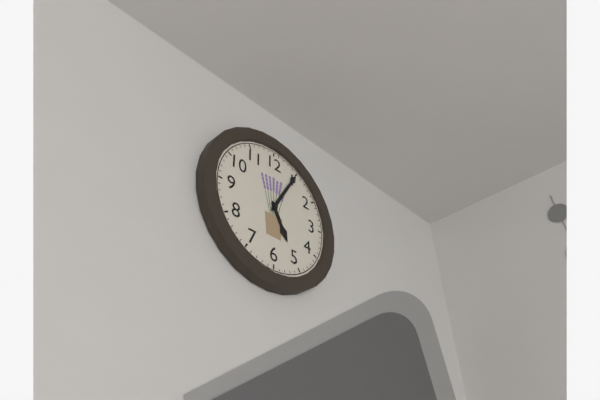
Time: {"hour": 5, "minute": 5}
